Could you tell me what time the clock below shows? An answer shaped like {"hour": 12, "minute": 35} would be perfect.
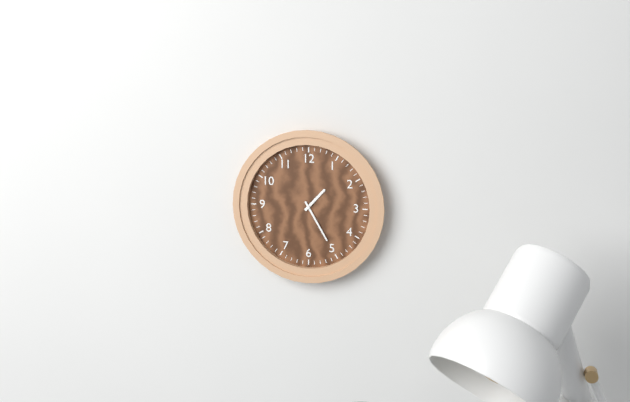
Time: {"hour": 1, "minute": 25}
